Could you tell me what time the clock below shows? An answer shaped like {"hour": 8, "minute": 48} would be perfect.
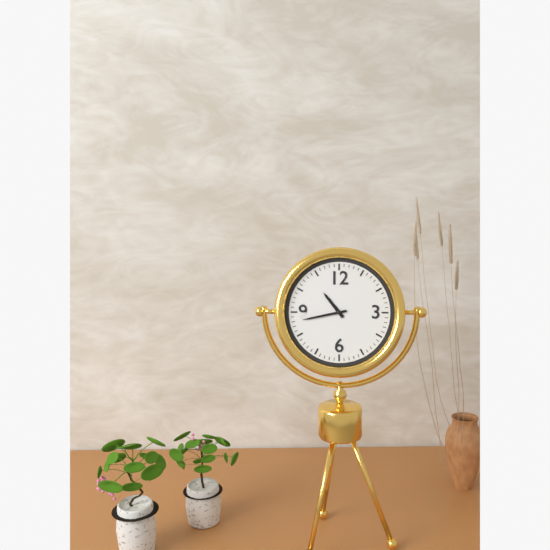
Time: {"hour": 10, "minute": 43}
